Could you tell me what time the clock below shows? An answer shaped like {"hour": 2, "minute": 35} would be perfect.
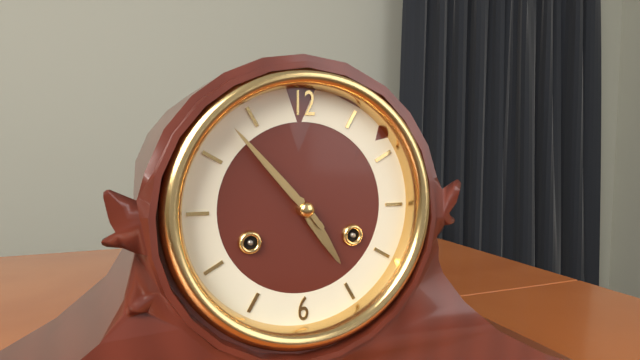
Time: {"hour": 4, "minute": 53}
